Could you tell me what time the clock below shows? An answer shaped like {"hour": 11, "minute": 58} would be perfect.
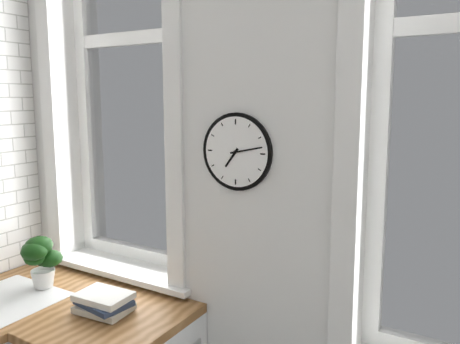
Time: {"hour": 7, "minute": 13}
